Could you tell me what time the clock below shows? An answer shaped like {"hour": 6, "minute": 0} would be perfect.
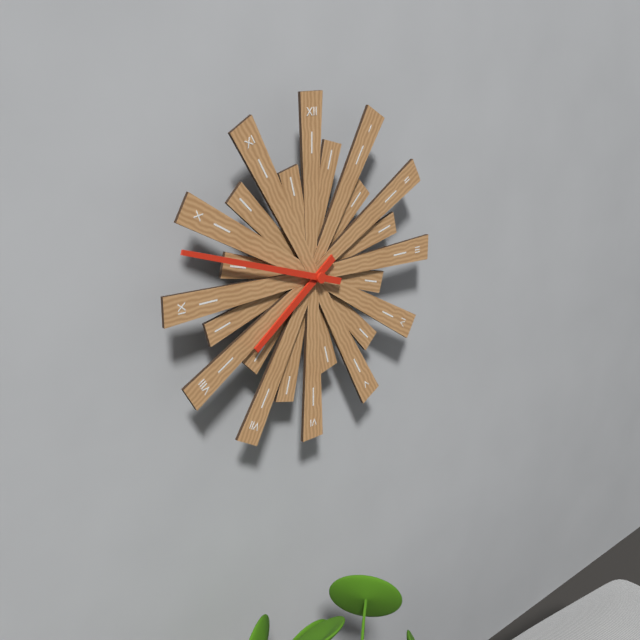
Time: {"hour": 7, "minute": 48}
